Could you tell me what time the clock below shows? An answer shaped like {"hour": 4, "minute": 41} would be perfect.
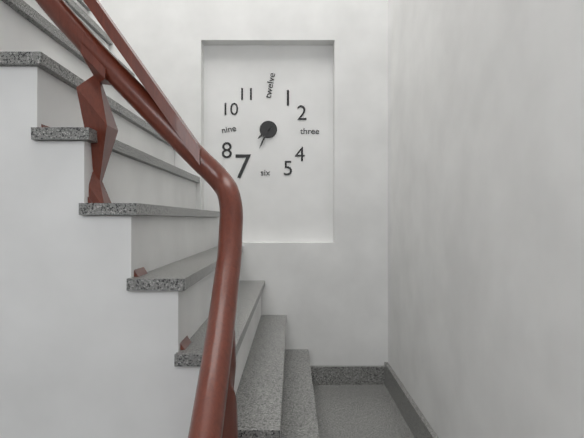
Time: {"hour": 7, "minute": 34}
